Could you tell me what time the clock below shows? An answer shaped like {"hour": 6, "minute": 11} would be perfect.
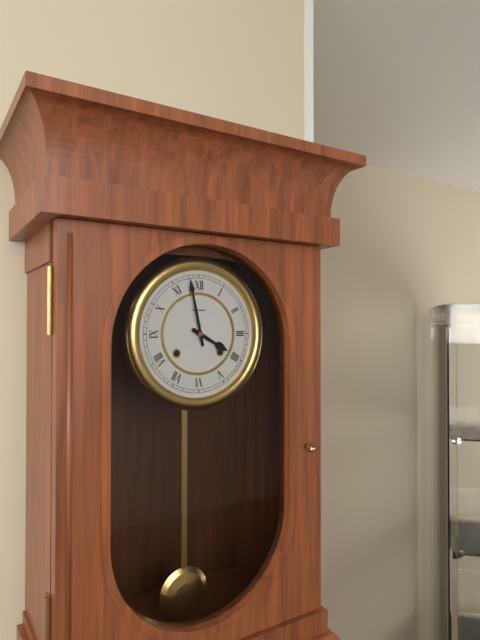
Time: {"hour": 3, "minute": 58}
